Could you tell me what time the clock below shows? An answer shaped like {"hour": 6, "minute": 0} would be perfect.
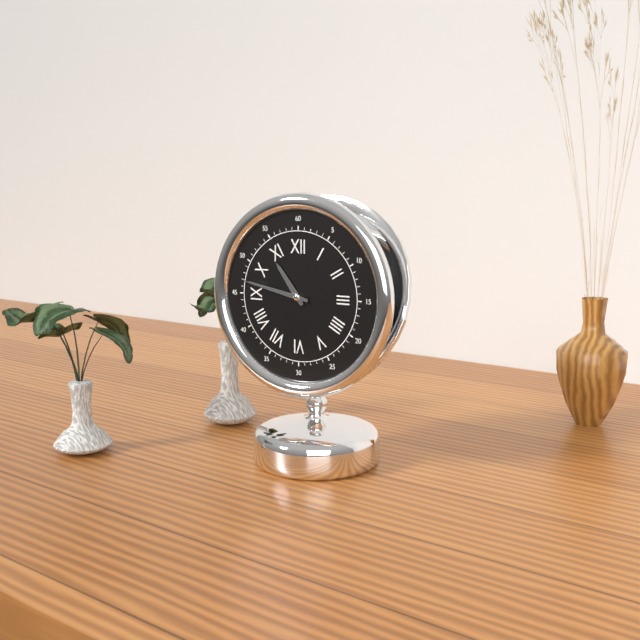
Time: {"hour": 10, "minute": 47}
